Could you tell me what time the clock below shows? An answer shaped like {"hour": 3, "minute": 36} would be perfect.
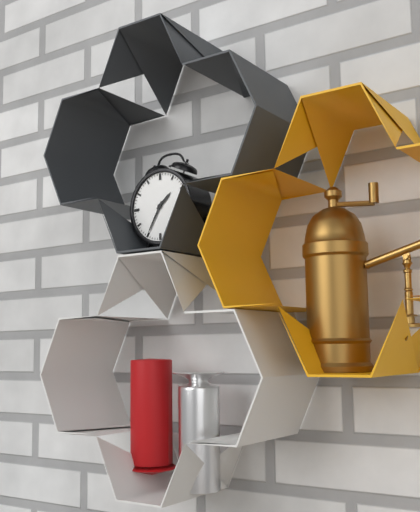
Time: {"hour": 1, "minute": 35}
